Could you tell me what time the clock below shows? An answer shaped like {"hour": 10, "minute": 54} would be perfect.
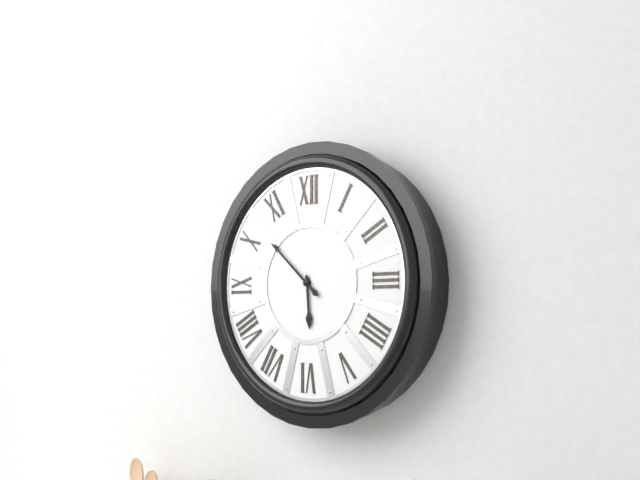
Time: {"hour": 5, "minute": 52}
